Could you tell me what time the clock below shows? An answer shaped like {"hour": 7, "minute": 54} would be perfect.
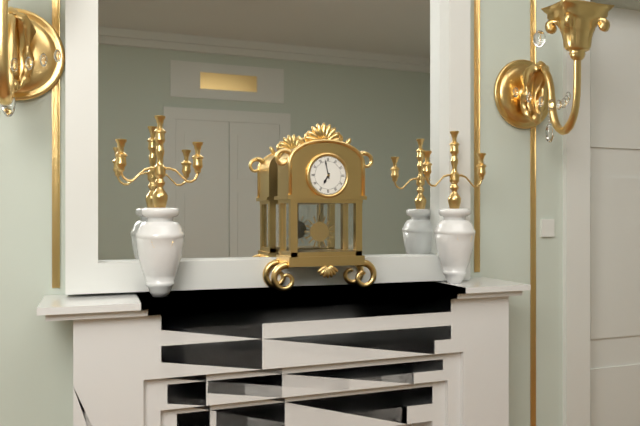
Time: {"hour": 6, "minute": 58}
